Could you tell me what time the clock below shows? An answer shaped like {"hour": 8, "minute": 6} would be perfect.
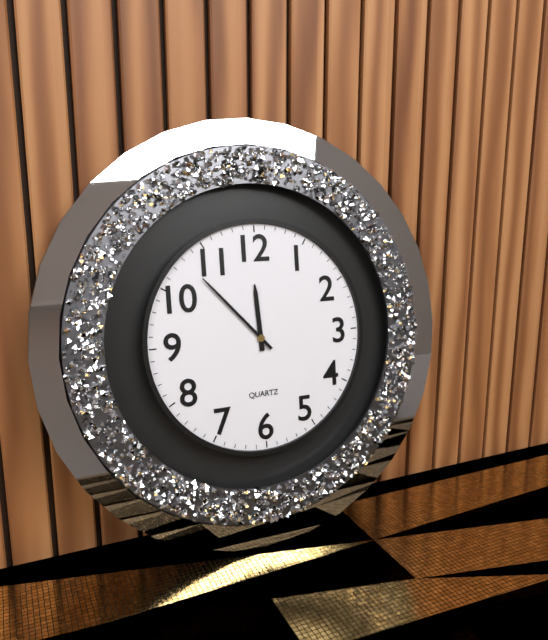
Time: {"hour": 11, "minute": 53}
